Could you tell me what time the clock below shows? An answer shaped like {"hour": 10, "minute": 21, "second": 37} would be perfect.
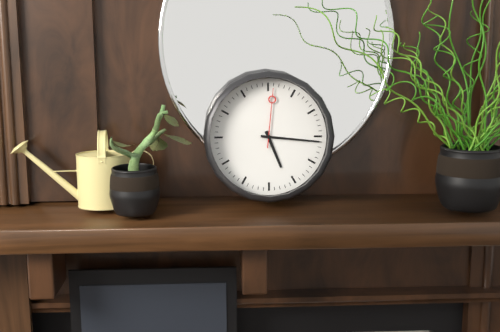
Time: {"hour": 5, "minute": 16, "second": 1}
